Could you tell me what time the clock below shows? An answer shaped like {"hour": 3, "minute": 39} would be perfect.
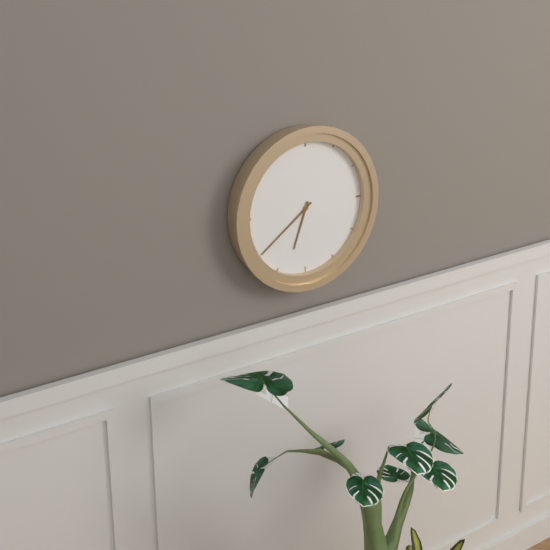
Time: {"hour": 6, "minute": 39}
